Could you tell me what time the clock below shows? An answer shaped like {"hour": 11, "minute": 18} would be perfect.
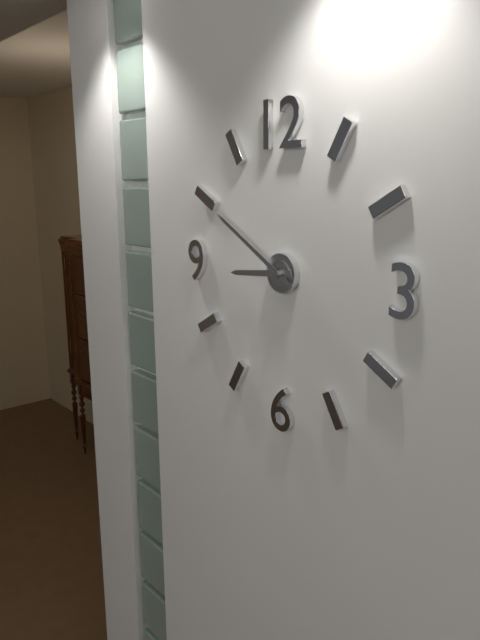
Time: {"hour": 8, "minute": 50}
